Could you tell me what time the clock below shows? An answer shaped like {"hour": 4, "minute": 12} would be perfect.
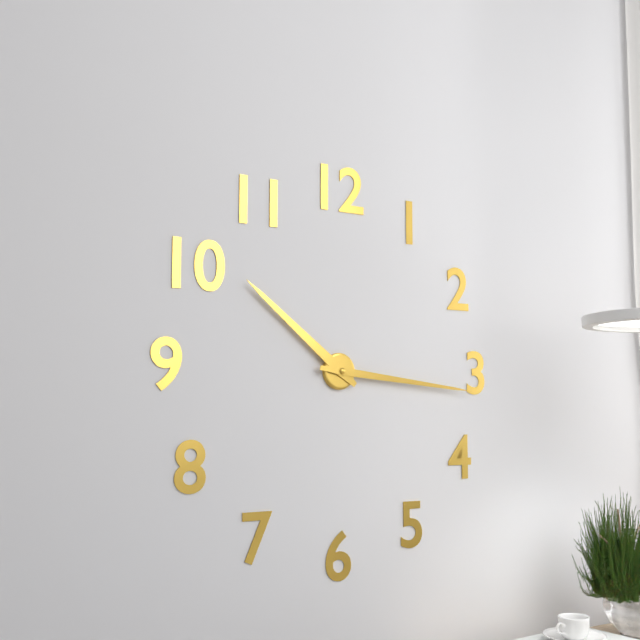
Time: {"hour": 10, "minute": 16}
